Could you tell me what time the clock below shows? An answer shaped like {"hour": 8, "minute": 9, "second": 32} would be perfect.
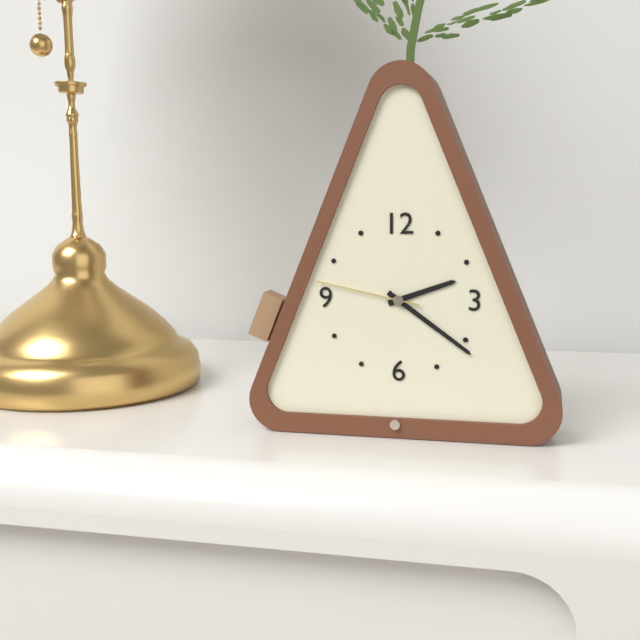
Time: {"hour": 2, "minute": 21, "second": 47}
